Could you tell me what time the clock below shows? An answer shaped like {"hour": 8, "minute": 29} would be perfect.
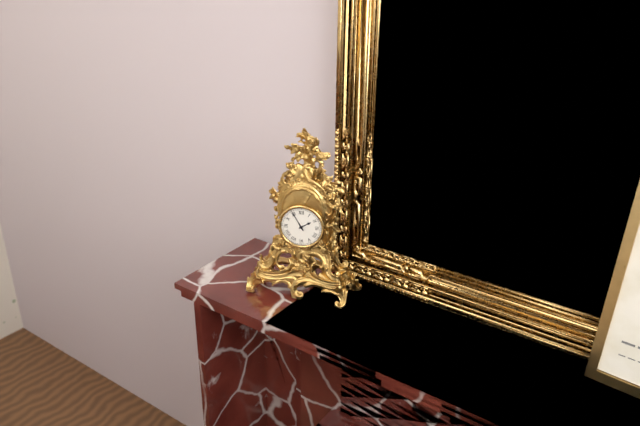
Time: {"hour": 1, "minute": 55}
